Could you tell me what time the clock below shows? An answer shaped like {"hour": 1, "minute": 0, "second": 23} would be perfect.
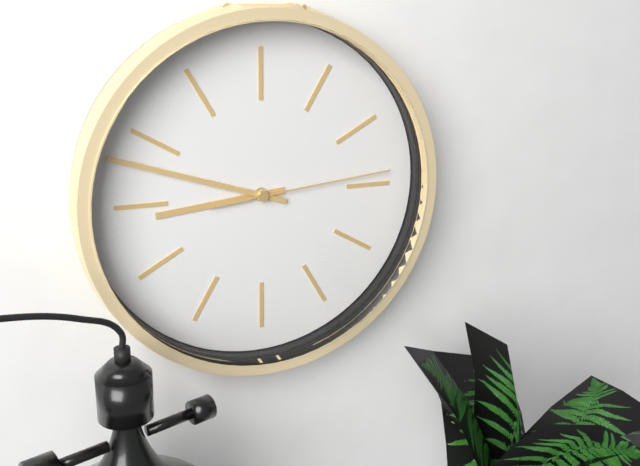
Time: {"hour": 8, "minute": 48, "second": 14}
